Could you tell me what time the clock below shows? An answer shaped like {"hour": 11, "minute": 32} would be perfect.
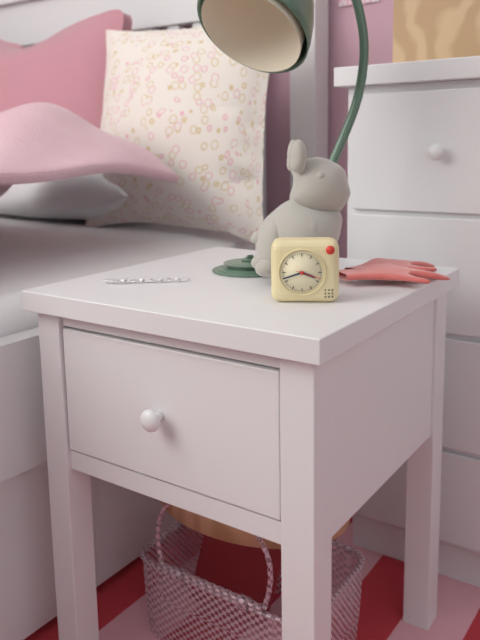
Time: {"hour": 3, "minute": 42}
